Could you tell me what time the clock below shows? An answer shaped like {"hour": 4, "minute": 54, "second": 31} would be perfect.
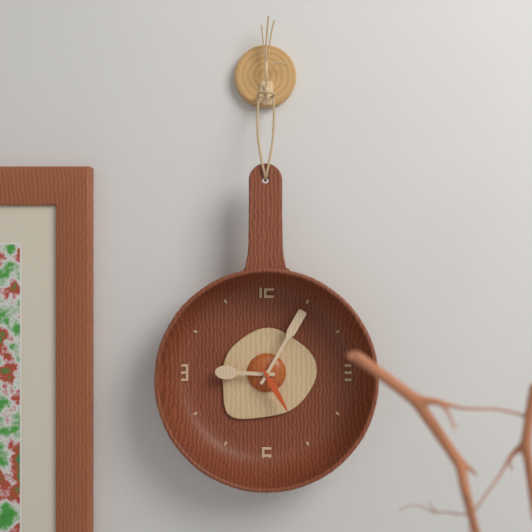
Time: {"hour": 9, "minute": 5, "second": 25}
